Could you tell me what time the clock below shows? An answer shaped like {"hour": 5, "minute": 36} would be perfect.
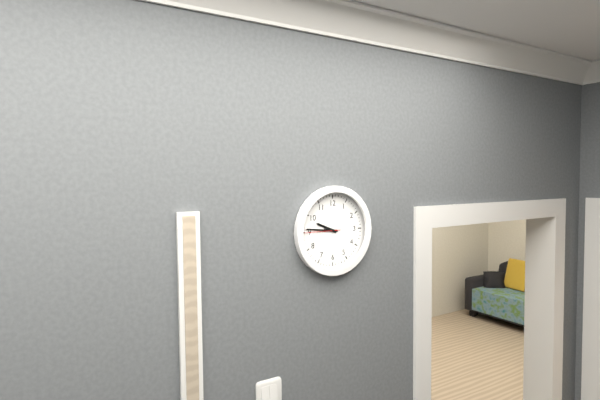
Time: {"hour": 9, "minute": 46}
